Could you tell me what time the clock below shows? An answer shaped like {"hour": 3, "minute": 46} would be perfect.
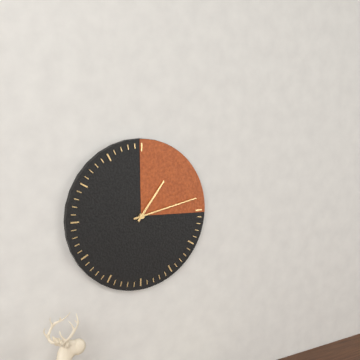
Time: {"hour": 1, "minute": 13}
